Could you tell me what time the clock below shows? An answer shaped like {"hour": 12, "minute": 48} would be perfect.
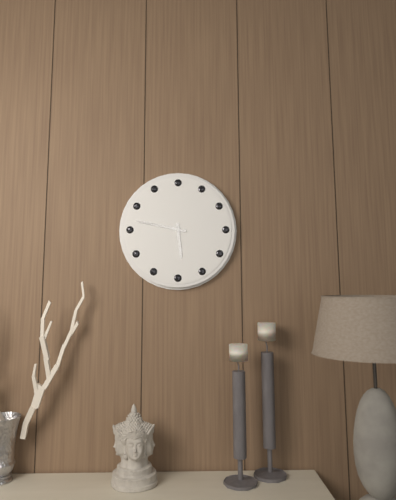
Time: {"hour": 5, "minute": 47}
